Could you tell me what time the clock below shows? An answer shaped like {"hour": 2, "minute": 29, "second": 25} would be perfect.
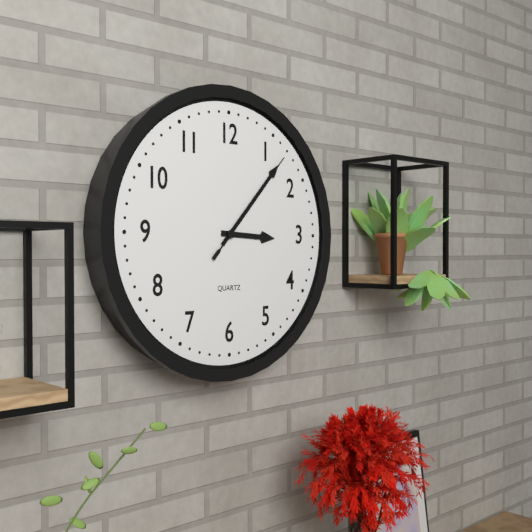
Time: {"hour": 3, "minute": 7, "second": 7}
